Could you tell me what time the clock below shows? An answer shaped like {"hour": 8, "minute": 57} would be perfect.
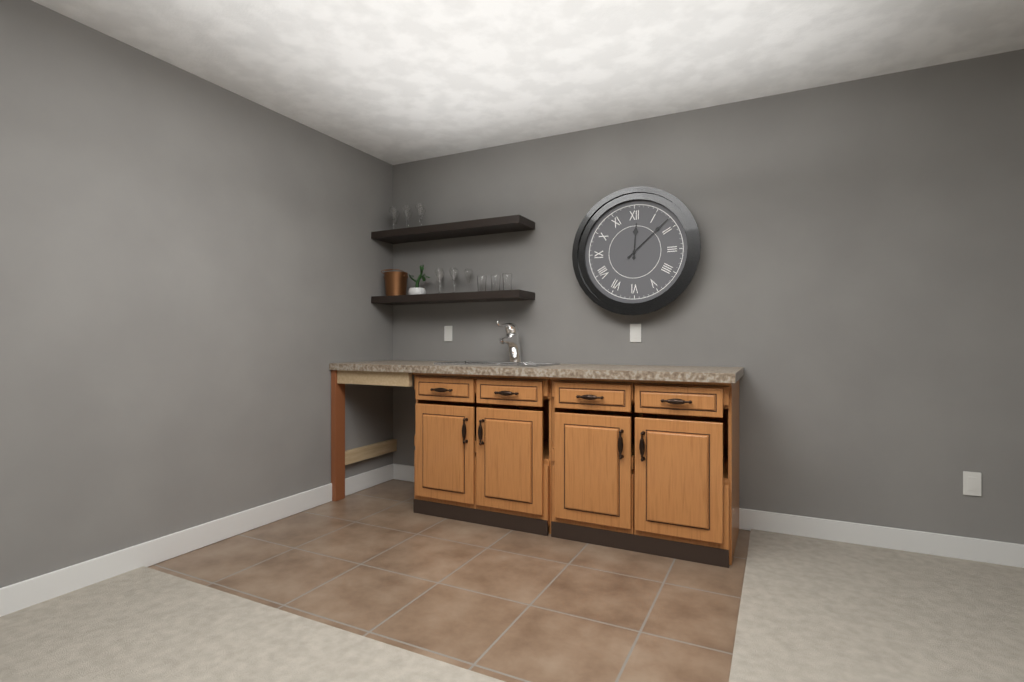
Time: {"hour": 12, "minute": 8}
